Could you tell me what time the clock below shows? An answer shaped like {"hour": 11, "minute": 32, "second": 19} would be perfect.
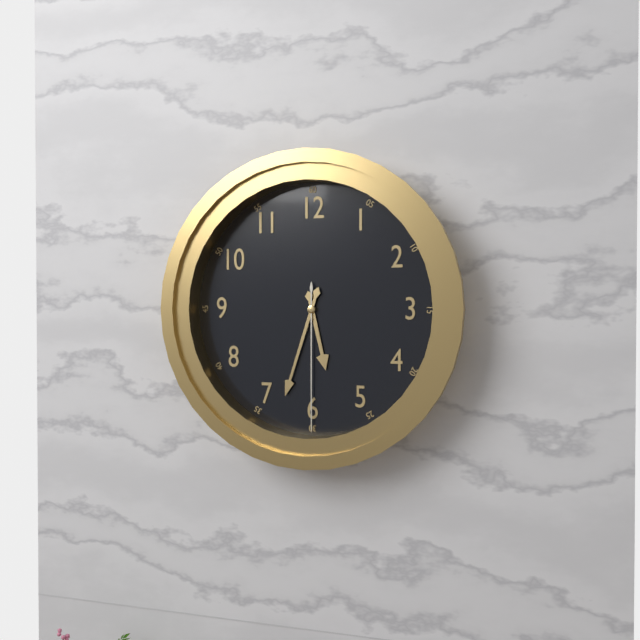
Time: {"hour": 5, "minute": 33, "second": 30}
